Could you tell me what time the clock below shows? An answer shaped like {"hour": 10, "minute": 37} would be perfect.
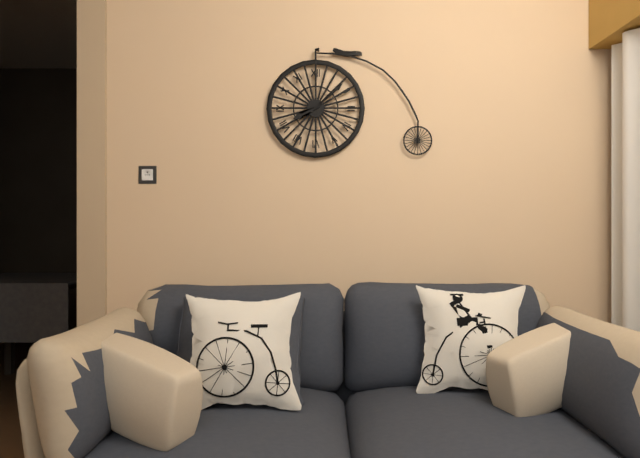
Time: {"hour": 8, "minute": 8}
